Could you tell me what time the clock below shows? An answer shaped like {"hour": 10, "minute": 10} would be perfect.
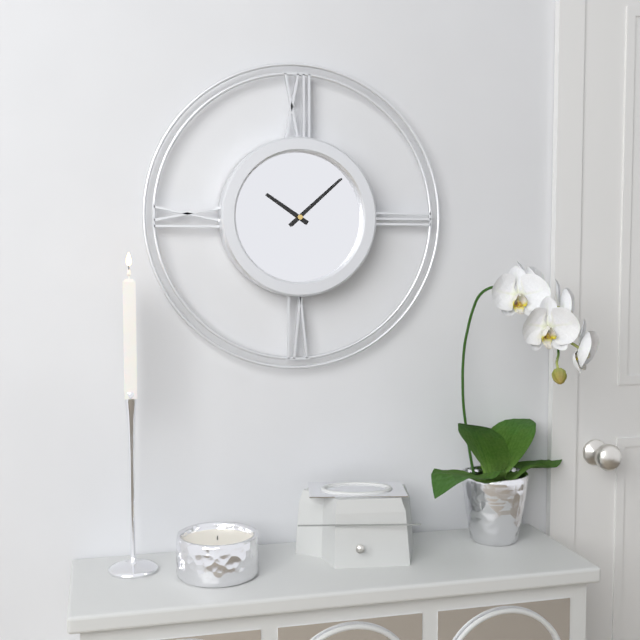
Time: {"hour": 10, "minute": 8}
